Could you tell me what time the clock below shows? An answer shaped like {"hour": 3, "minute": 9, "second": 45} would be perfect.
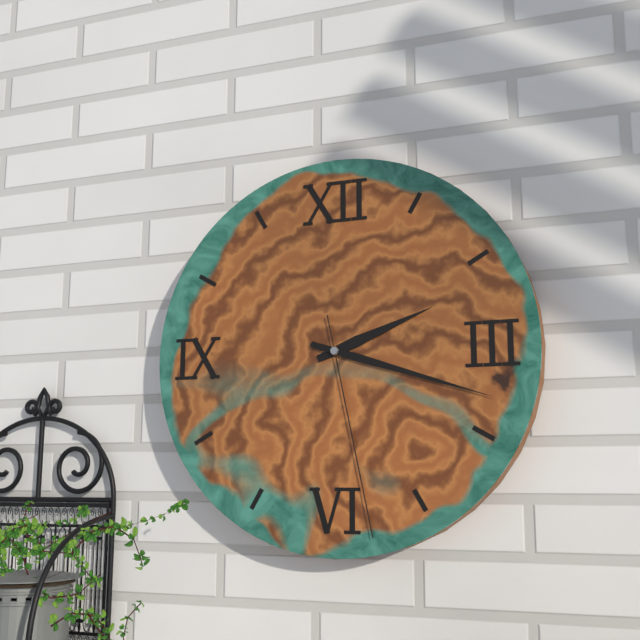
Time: {"hour": 2, "minute": 18, "second": 28}
